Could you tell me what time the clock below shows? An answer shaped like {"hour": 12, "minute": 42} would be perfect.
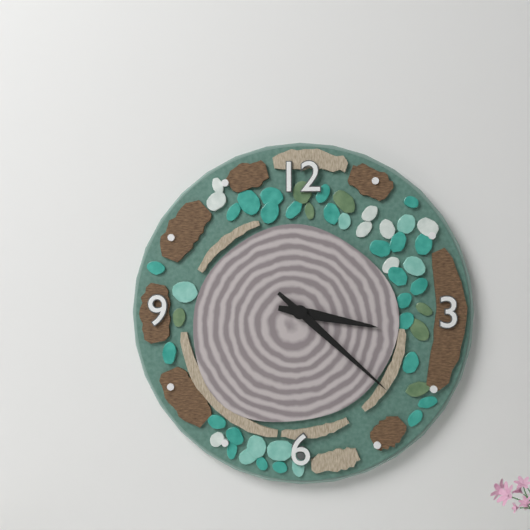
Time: {"hour": 3, "minute": 22}
